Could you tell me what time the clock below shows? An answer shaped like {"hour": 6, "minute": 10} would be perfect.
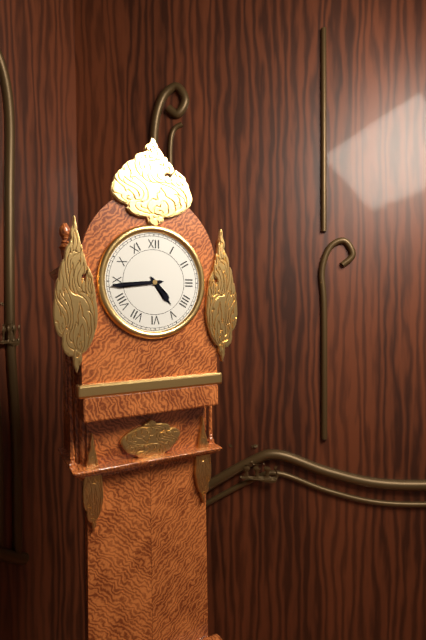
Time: {"hour": 4, "minute": 44}
